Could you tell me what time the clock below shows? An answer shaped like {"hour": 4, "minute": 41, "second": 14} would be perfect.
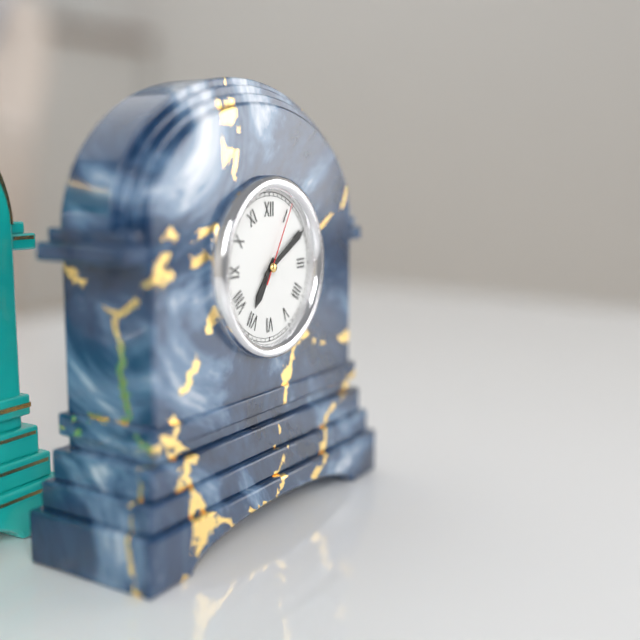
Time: {"hour": 7, "minute": 10, "second": 5}
